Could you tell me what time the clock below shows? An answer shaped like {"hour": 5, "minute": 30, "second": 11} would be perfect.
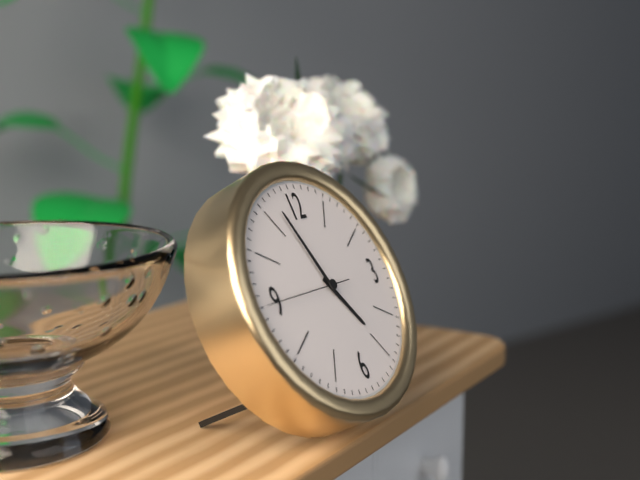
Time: {"hour": 4, "minute": 57, "second": 45}
